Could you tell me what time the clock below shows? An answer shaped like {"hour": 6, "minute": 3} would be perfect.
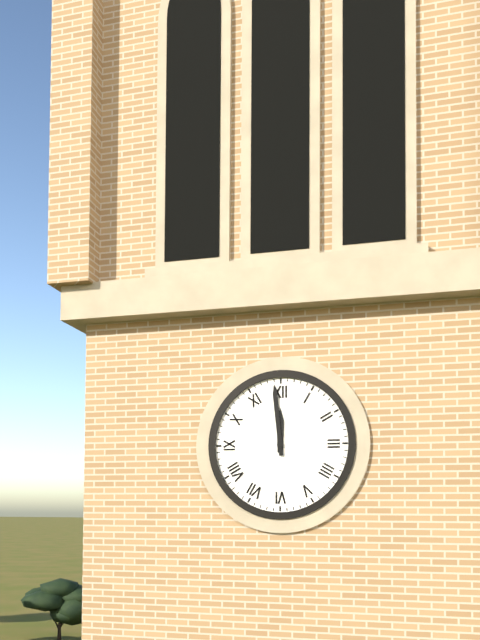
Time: {"hour": 11, "minute": 59}
